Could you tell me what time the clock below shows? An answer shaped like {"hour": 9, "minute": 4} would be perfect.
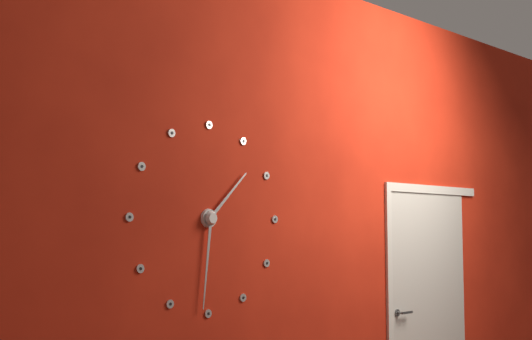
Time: {"hour": 1, "minute": 31}
